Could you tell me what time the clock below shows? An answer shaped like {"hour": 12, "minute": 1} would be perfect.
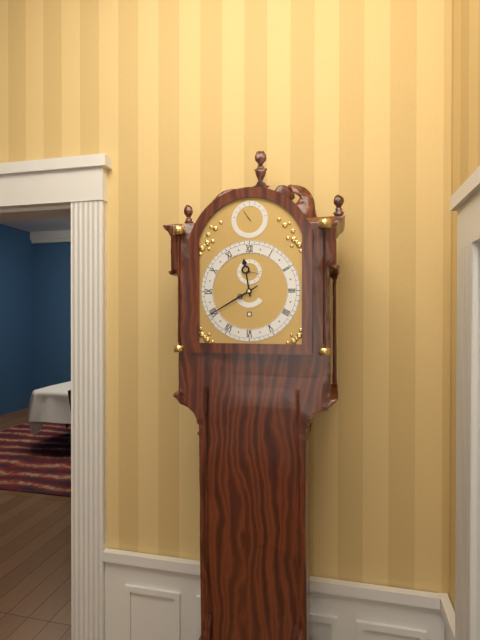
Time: {"hour": 11, "minute": 40}
